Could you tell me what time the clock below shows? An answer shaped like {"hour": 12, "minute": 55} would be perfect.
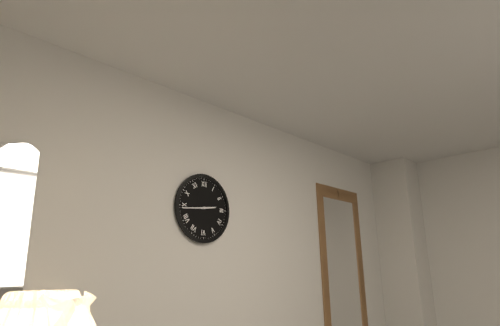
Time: {"hour": 2, "minute": 44}
